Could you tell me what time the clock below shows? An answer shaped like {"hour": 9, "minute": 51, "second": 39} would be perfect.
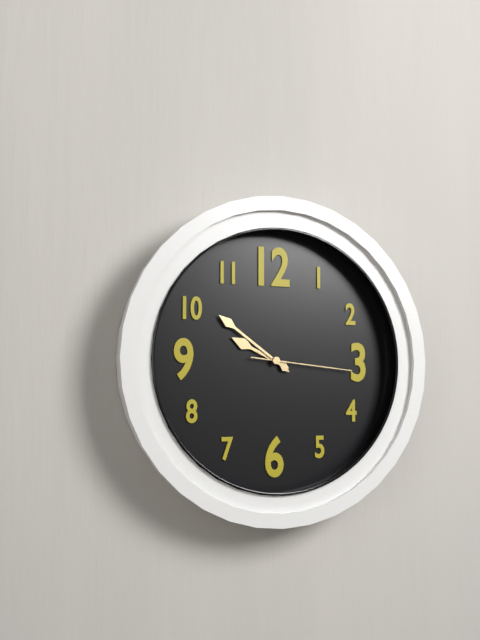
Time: {"hour": 9, "minute": 51, "second": 16}
